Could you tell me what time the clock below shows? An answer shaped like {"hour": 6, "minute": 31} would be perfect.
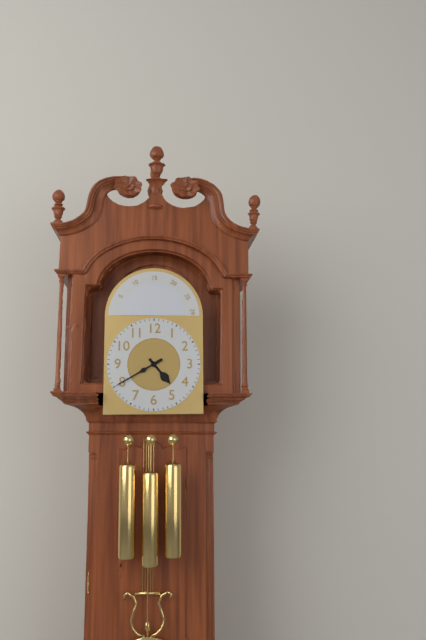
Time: {"hour": 4, "minute": 40}
